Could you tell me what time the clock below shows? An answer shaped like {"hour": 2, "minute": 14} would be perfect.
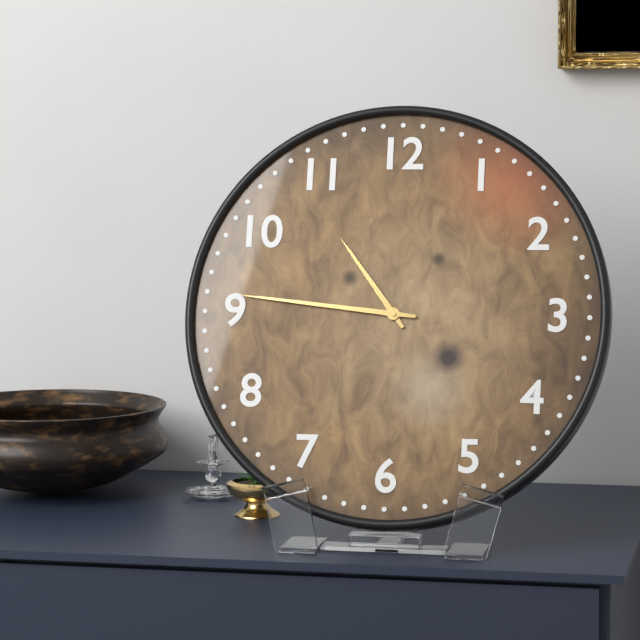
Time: {"hour": 10, "minute": 46}
